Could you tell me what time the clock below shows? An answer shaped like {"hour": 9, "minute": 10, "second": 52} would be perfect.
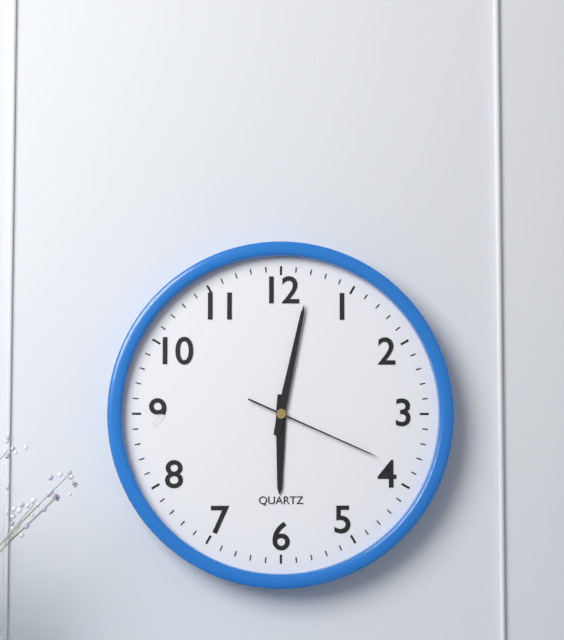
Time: {"hour": 6, "minute": 2, "second": 19}
